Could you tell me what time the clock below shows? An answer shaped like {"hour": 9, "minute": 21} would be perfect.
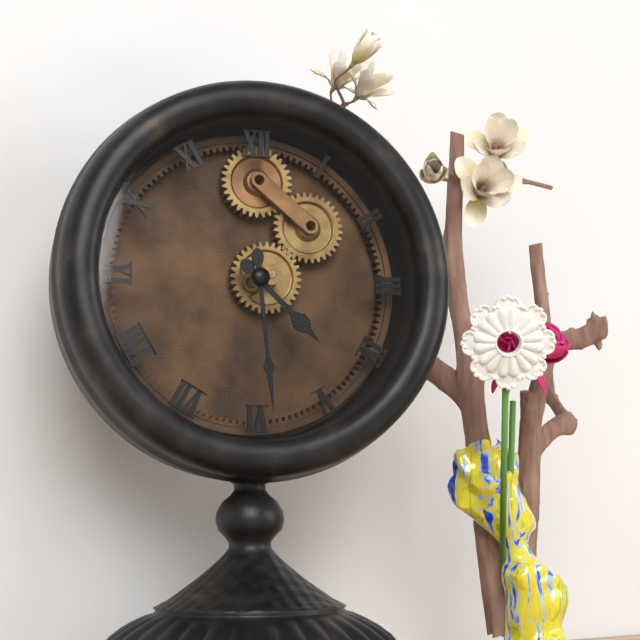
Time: {"hour": 4, "minute": 29}
